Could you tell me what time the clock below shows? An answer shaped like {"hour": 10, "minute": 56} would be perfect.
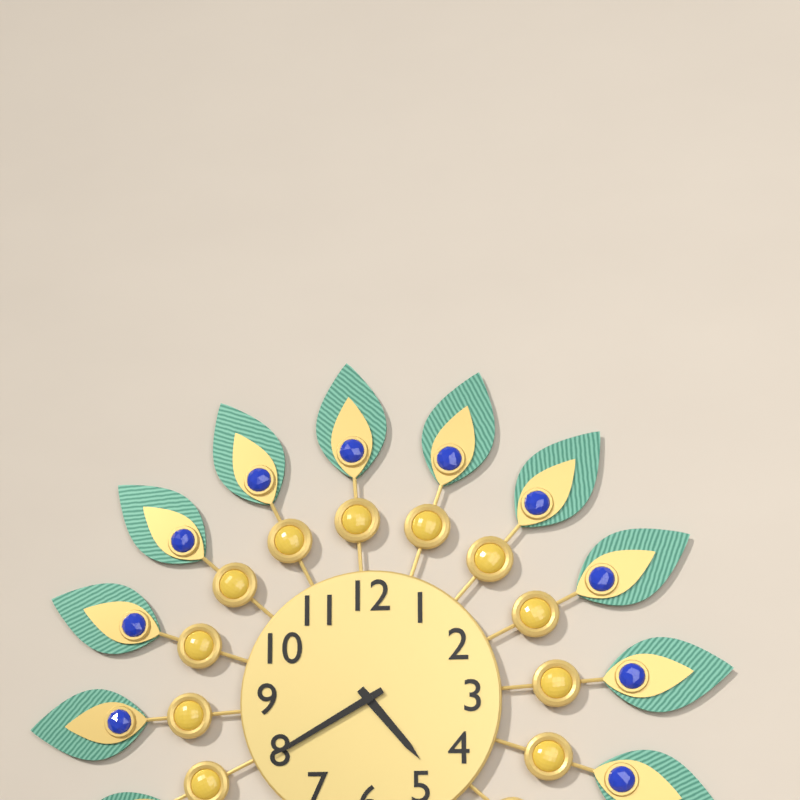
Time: {"hour": 4, "minute": 40}
